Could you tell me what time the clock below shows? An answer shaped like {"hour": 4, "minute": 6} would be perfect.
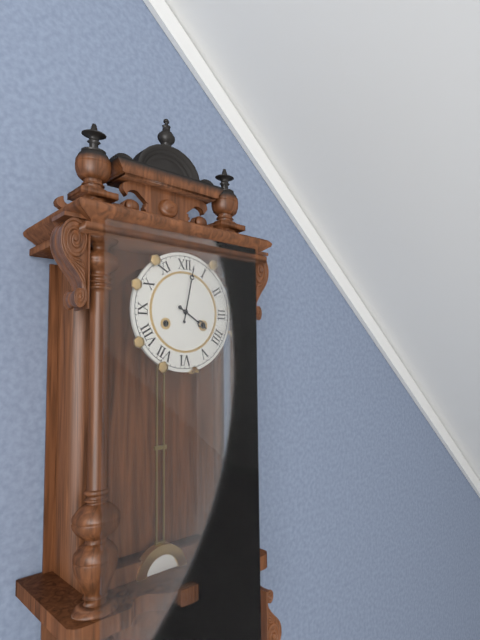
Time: {"hour": 4, "minute": 2}
